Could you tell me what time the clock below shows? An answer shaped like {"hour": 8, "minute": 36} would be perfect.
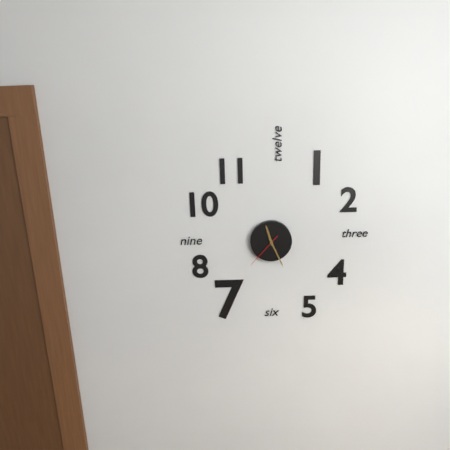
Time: {"hour": 11, "minute": 26}
